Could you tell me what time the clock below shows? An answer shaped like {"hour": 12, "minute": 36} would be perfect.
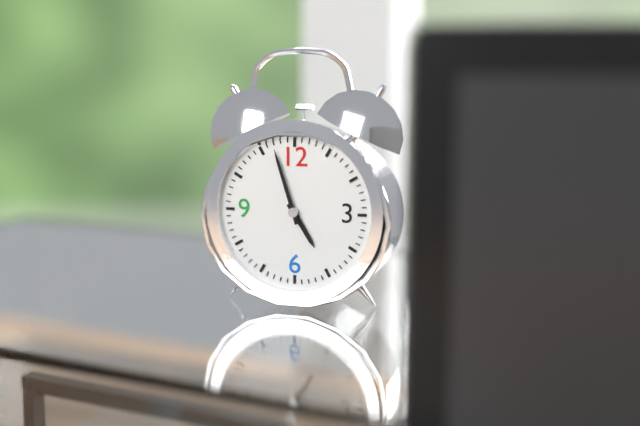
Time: {"hour": 4, "minute": 57}
